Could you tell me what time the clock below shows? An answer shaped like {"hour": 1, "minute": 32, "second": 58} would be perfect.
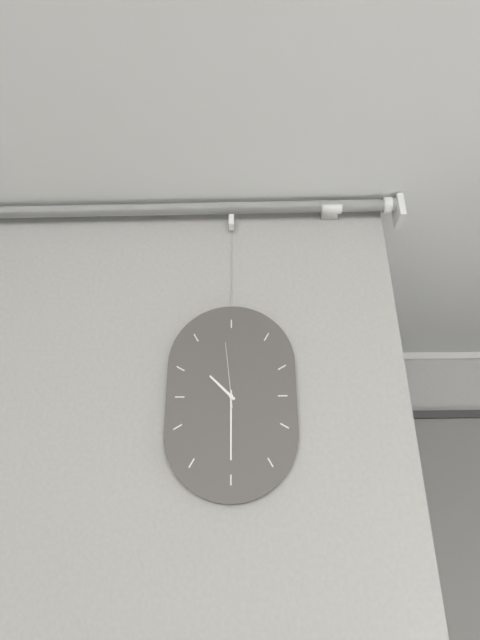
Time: {"hour": 10, "minute": 30, "second": 59}
